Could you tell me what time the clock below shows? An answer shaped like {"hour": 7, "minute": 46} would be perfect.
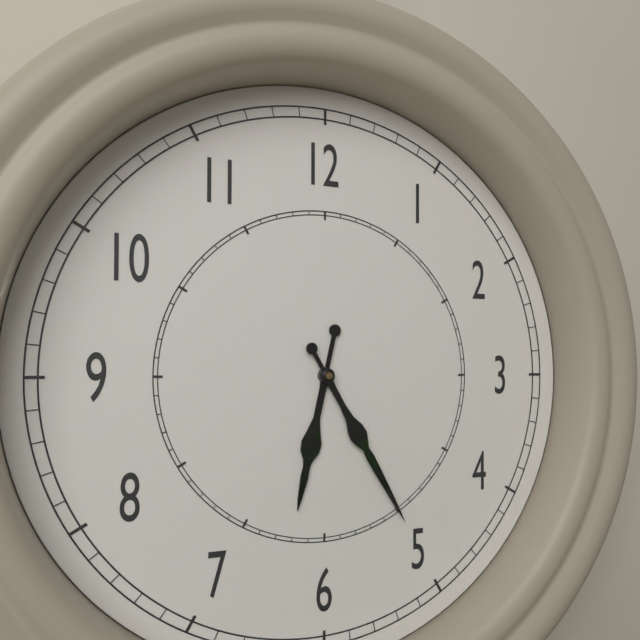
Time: {"hour": 6, "minute": 25}
